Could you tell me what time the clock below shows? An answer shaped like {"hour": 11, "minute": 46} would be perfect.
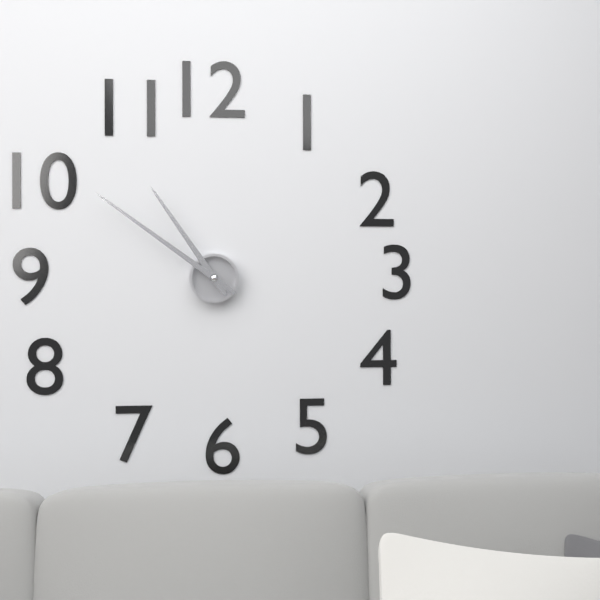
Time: {"hour": 10, "minute": 51}
